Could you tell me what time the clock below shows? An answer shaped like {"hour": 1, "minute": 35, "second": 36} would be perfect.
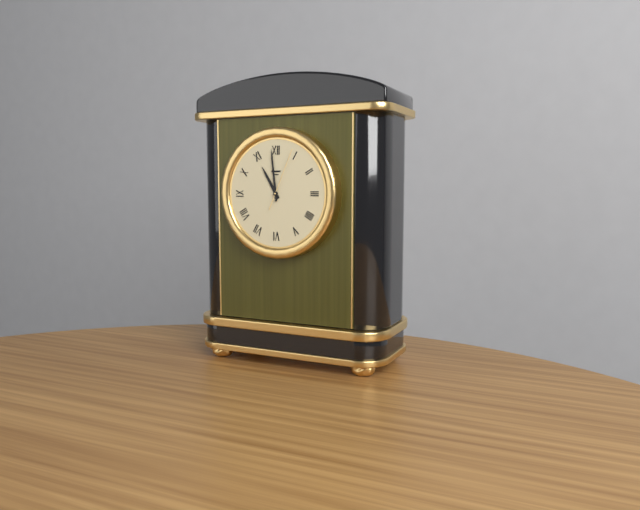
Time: {"hour": 10, "minute": 59, "second": 4}
